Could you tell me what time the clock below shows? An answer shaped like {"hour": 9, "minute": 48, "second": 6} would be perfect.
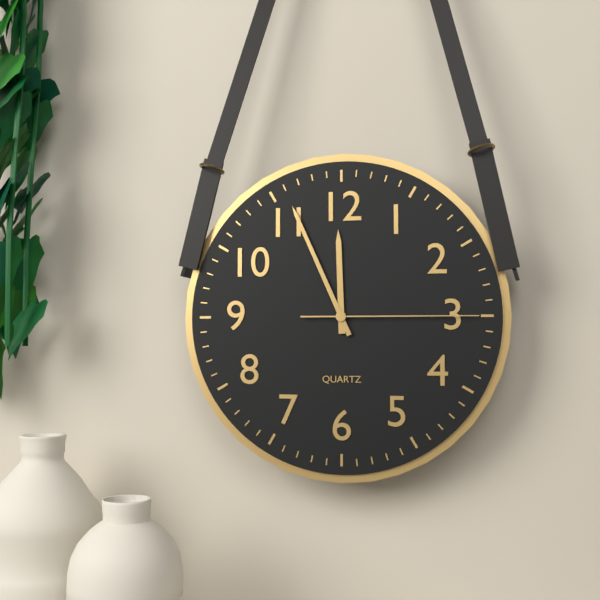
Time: {"hour": 11, "minute": 56, "second": 15}
